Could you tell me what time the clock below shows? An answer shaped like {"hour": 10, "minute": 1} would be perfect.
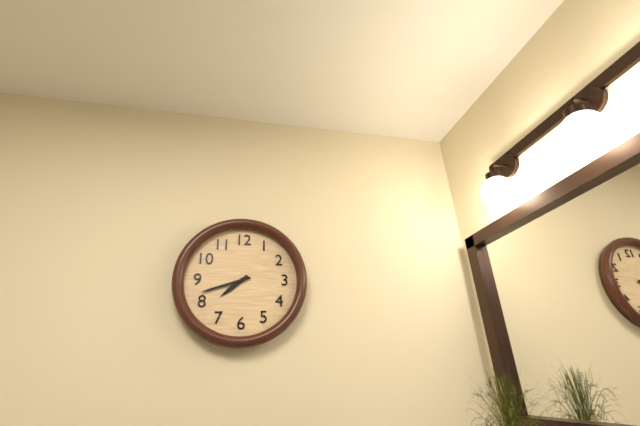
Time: {"hour": 7, "minute": 42}
